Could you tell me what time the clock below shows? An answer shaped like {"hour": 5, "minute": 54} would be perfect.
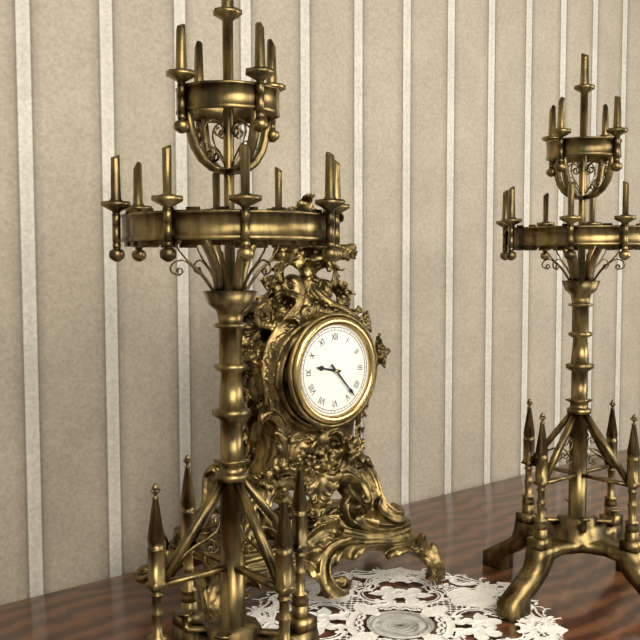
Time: {"hour": 9, "minute": 23}
